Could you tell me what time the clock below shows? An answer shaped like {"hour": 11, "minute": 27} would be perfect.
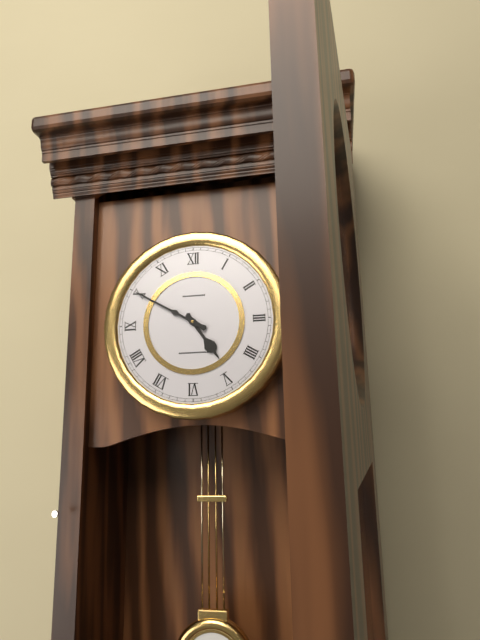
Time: {"hour": 4, "minute": 50}
